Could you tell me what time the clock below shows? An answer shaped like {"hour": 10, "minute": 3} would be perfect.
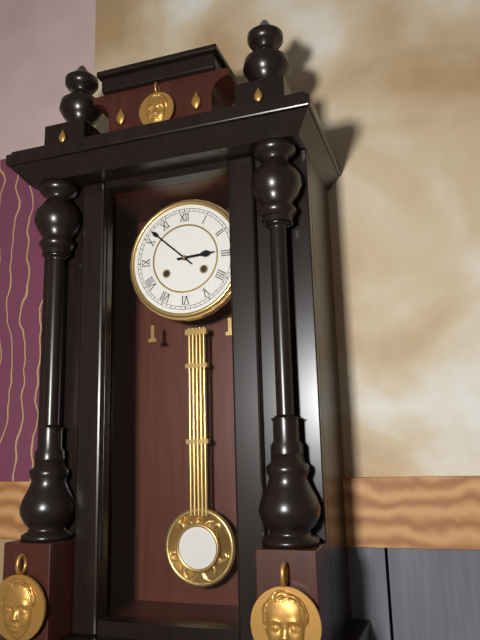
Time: {"hour": 2, "minute": 52}
